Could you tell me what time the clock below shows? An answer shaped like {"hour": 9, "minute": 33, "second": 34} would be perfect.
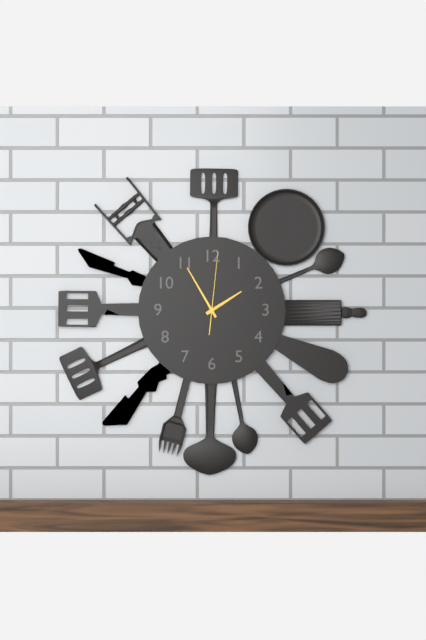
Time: {"hour": 1, "minute": 55, "second": 1}
